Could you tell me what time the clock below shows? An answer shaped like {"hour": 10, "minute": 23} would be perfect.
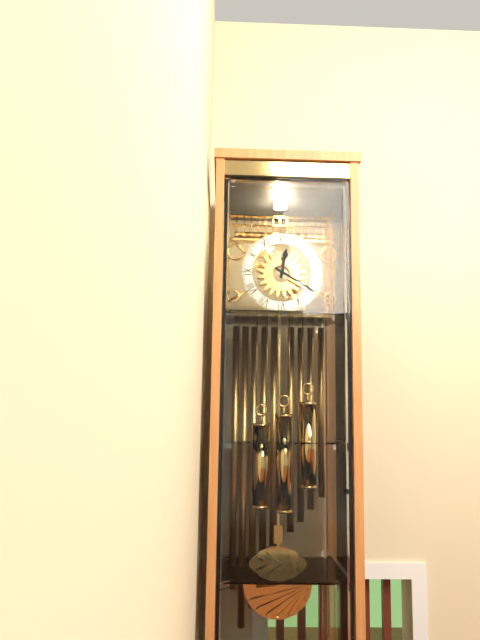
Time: {"hour": 12, "minute": 20}
